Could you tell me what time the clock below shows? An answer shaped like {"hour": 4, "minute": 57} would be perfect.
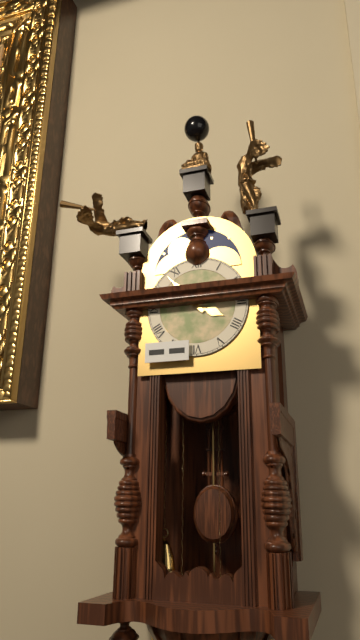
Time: {"hour": 3, "minute": 53}
